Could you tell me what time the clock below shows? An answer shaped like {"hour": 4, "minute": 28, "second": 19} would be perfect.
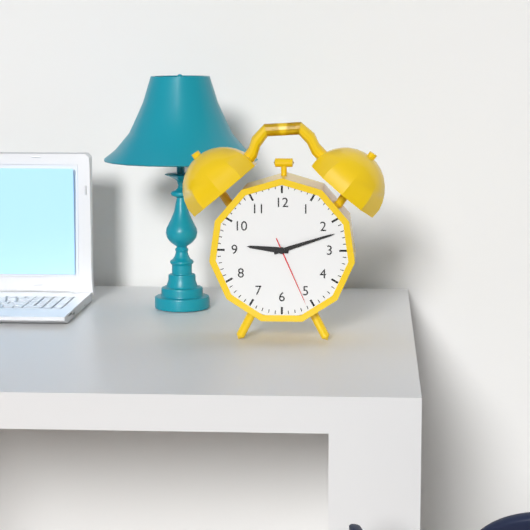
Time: {"hour": 9, "minute": 12, "second": 26}
